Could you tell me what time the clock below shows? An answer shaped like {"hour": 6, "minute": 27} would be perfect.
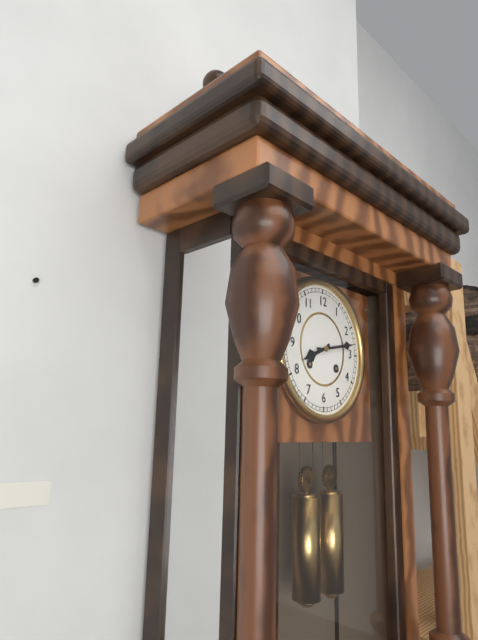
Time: {"hour": 8, "minute": 13}
